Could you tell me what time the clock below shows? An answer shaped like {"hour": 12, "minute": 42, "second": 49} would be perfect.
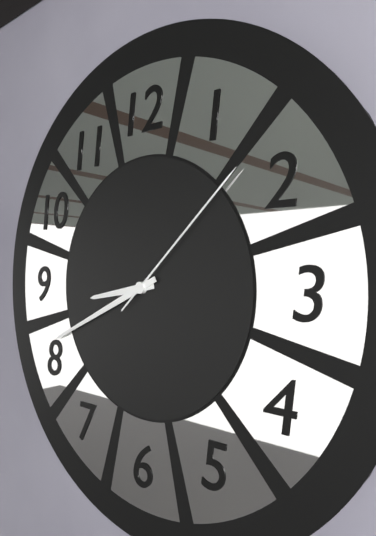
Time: {"hour": 8, "minute": 41, "second": 8}
